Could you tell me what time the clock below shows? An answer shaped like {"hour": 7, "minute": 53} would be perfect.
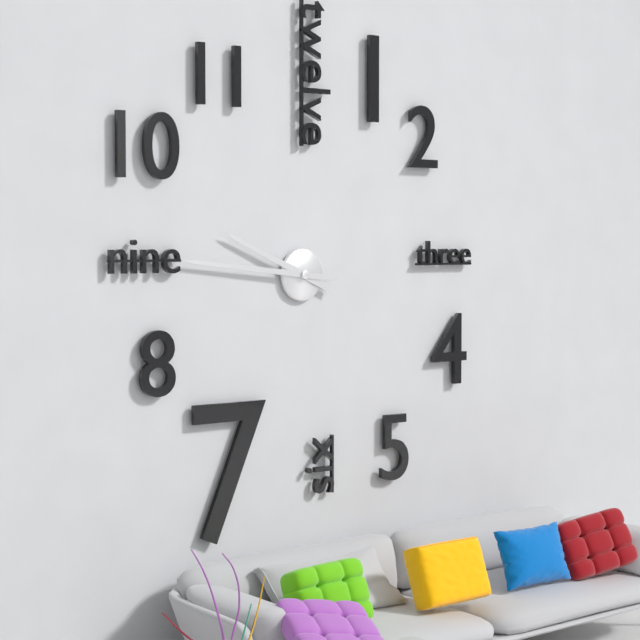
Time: {"hour": 9, "minute": 46}
